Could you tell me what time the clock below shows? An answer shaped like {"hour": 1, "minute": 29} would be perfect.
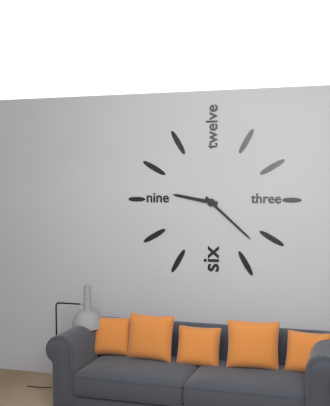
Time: {"hour": 9, "minute": 22}
